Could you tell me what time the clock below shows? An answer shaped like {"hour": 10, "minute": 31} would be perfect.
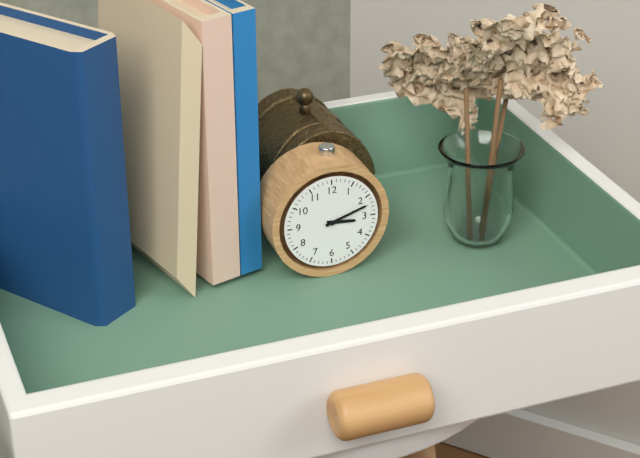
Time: {"hour": 3, "minute": 12}
